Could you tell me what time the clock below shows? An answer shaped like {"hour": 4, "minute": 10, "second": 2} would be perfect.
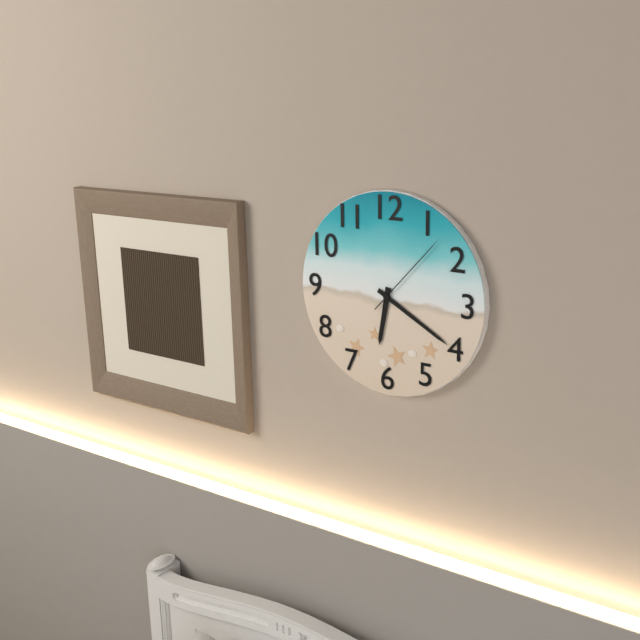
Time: {"hour": 6, "minute": 20, "second": 7}
